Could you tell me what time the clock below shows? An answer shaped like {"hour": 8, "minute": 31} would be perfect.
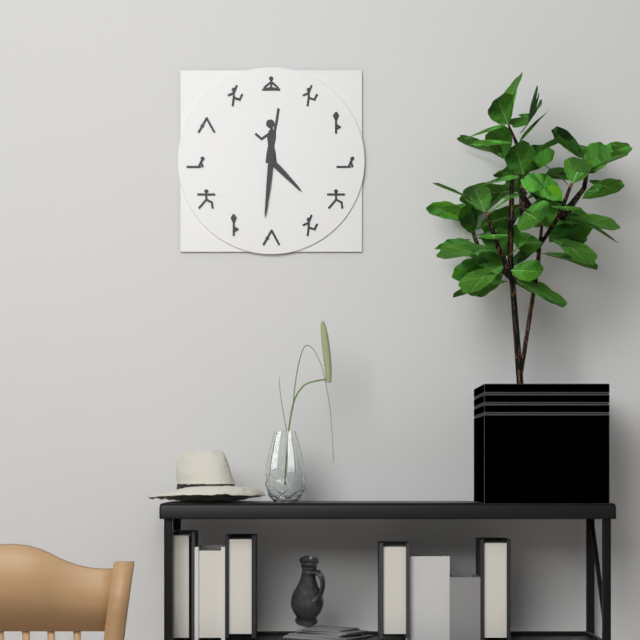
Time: {"hour": 4, "minute": 31}
